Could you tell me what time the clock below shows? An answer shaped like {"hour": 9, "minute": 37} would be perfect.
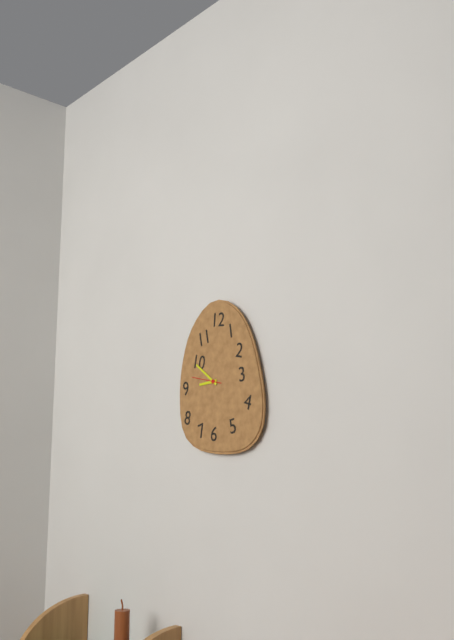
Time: {"hour": 8, "minute": 51}
